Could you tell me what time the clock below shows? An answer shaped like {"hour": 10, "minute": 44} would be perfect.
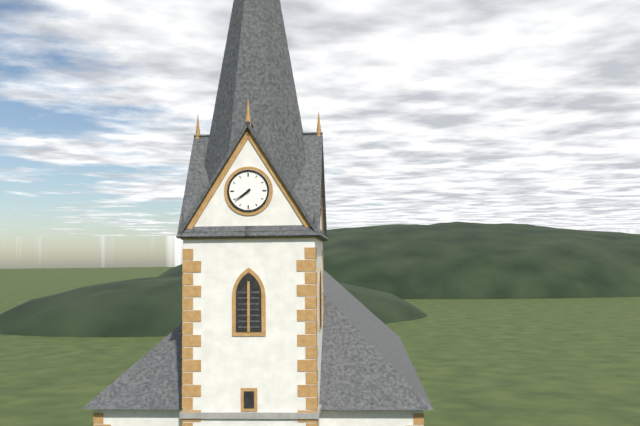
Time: {"hour": 7, "minute": 39}
